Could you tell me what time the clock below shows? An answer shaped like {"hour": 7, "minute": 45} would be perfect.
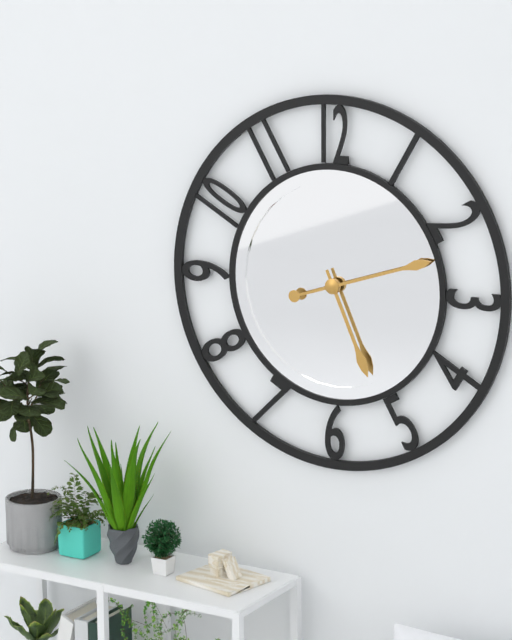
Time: {"hour": 5, "minute": 12}
